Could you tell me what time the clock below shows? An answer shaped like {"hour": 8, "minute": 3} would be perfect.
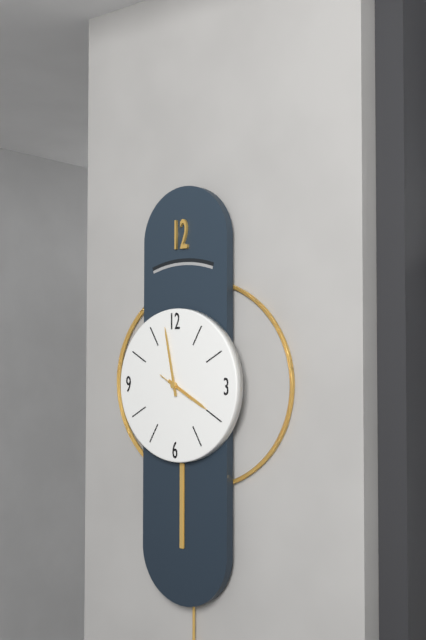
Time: {"hour": 3, "minute": 58}
